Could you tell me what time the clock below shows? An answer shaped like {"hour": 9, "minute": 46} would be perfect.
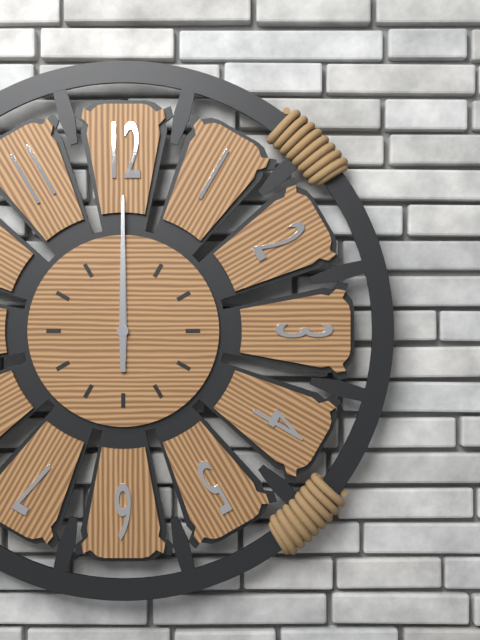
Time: {"hour": 12, "minute": 0}
